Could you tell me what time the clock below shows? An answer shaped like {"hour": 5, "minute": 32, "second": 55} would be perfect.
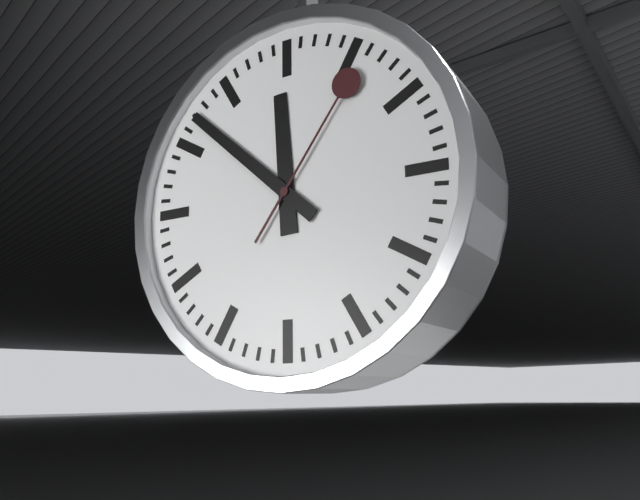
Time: {"hour": 11, "minute": 52, "second": 6}
